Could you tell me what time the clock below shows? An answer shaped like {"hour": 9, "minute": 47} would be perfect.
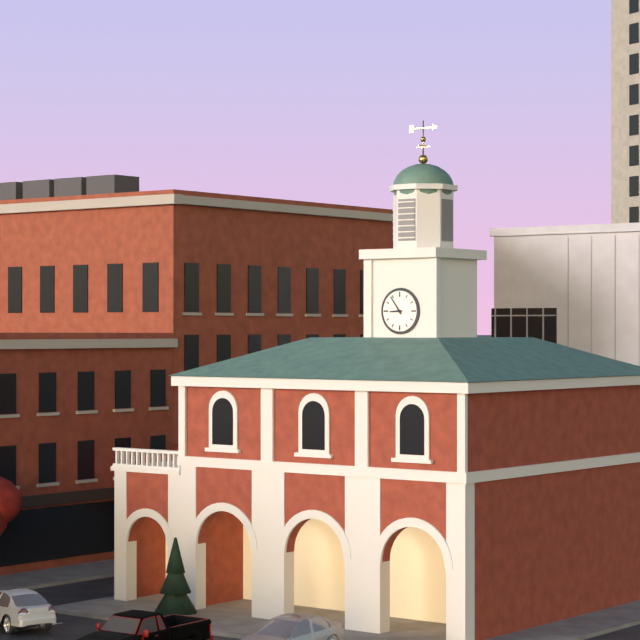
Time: {"hour": 8, "minute": 54}
